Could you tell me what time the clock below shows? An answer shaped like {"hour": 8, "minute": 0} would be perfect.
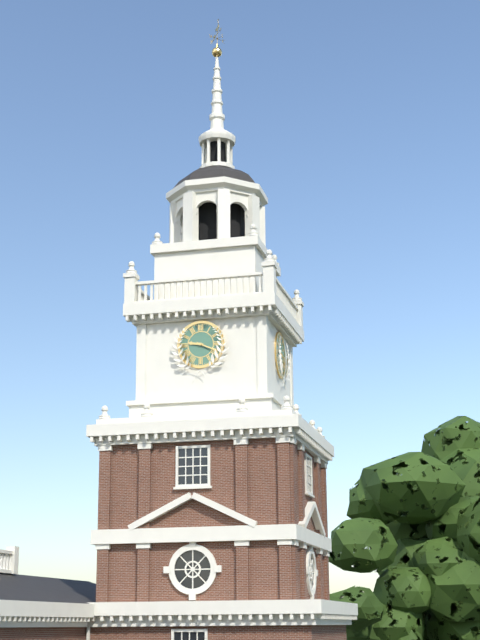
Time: {"hour": 9, "minute": 19}
